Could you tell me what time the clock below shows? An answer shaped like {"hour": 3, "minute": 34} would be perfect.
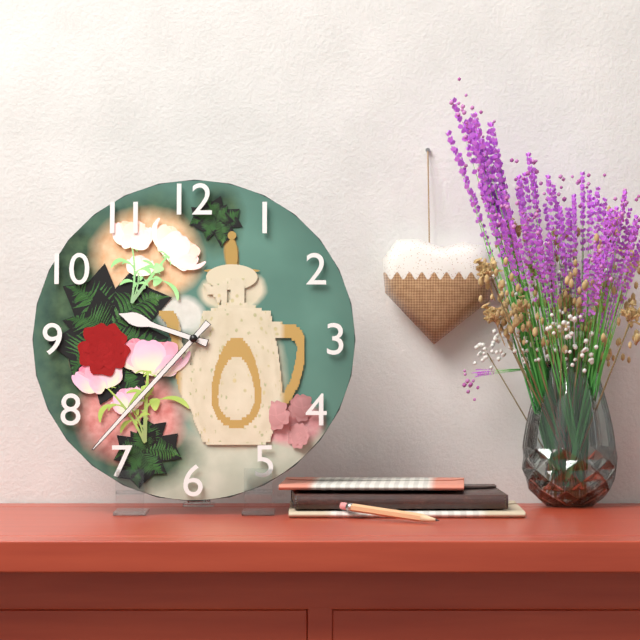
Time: {"hour": 9, "minute": 37}
